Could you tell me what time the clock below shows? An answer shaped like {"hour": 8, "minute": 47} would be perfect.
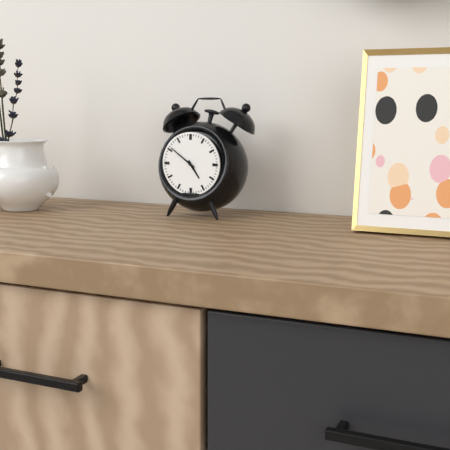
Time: {"hour": 4, "minute": 51}
